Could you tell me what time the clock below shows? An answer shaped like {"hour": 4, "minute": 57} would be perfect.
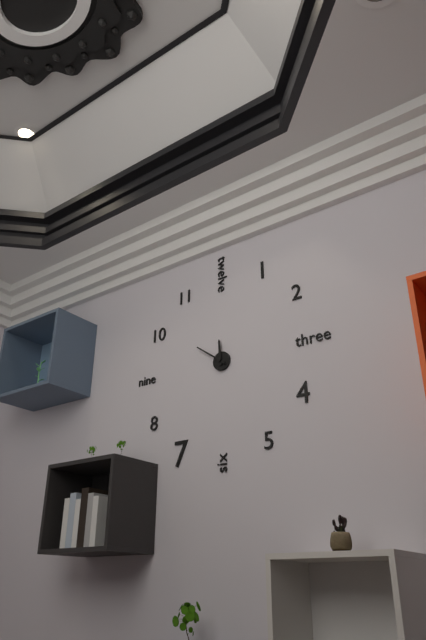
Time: {"hour": 11, "minute": 51}
